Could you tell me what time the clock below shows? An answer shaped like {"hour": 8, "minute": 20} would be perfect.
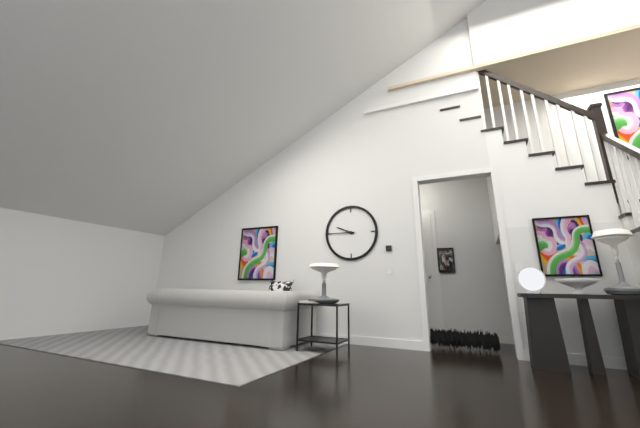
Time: {"hour": 9, "minute": 45}
